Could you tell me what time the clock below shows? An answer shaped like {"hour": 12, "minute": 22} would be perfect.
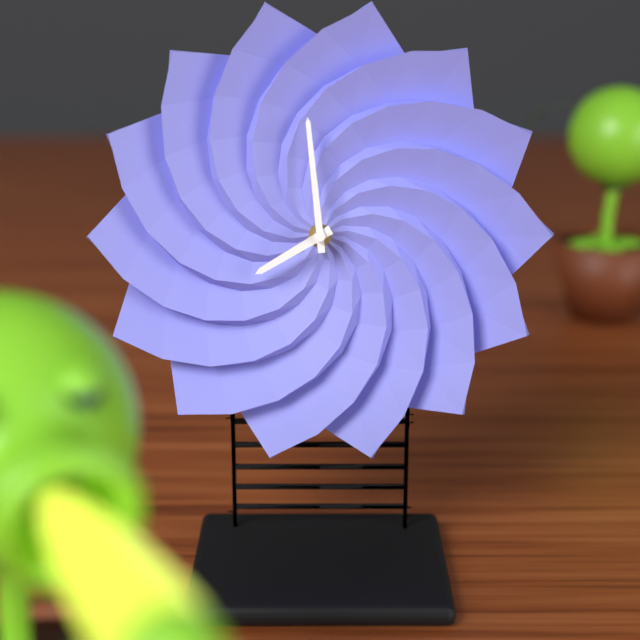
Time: {"hour": 7, "minute": 59}
